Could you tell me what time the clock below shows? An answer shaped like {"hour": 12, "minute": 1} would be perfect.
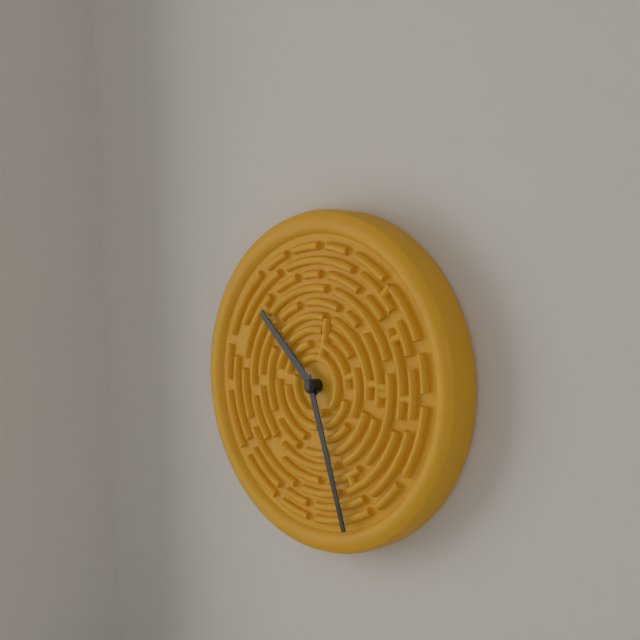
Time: {"hour": 10, "minute": 27}
